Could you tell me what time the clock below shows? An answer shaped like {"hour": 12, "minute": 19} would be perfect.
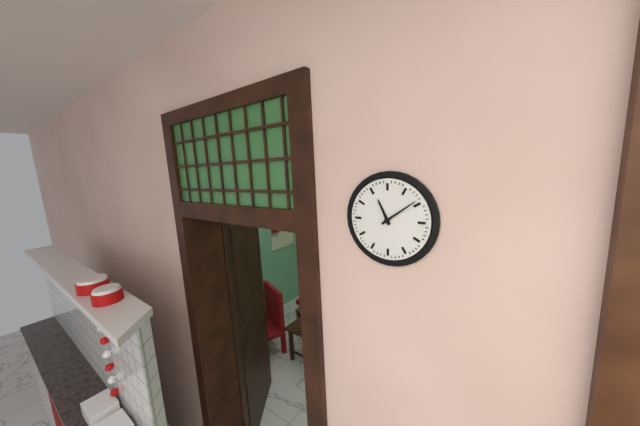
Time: {"hour": 11, "minute": 9}
